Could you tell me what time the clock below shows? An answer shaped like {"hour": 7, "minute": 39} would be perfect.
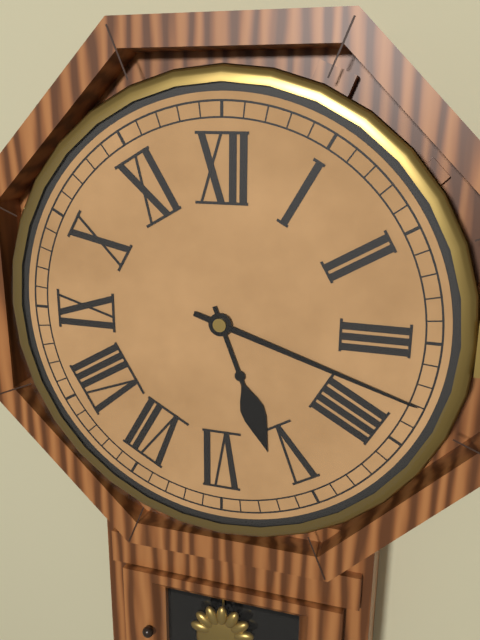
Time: {"hour": 5, "minute": 18}
